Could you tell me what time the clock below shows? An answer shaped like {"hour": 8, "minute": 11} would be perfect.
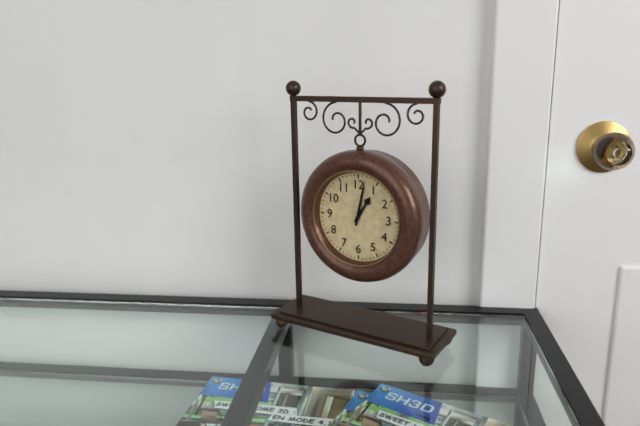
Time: {"hour": 1, "minute": 2}
